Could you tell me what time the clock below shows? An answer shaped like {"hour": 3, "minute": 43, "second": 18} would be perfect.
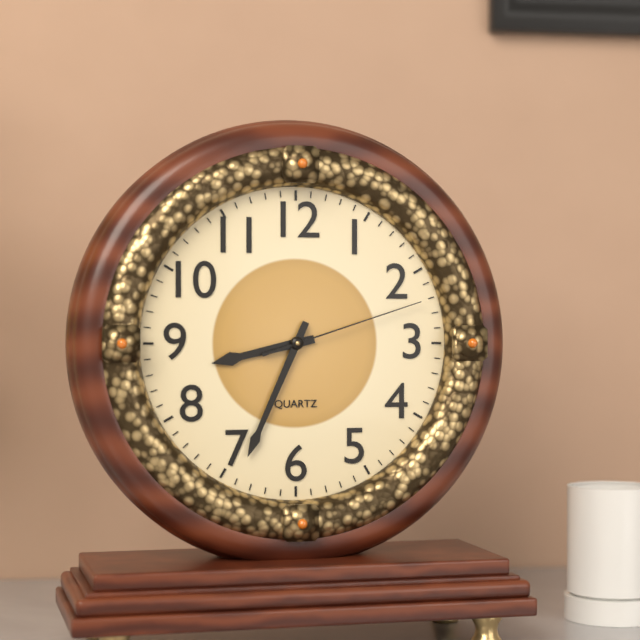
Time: {"hour": 8, "minute": 34, "second": 12}
